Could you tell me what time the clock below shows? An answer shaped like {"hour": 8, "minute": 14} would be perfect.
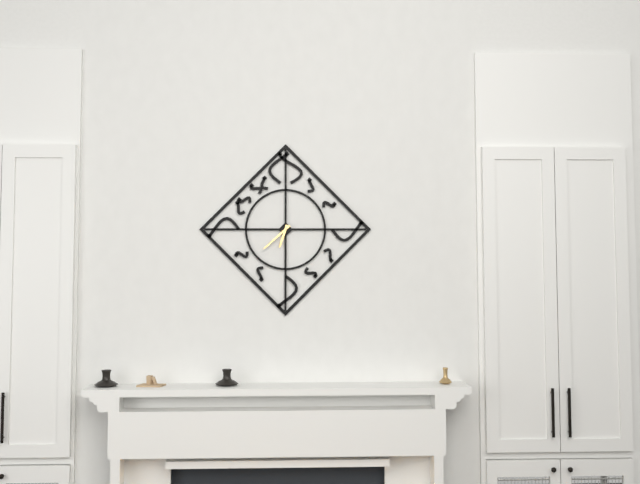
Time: {"hour": 6, "minute": 38}
